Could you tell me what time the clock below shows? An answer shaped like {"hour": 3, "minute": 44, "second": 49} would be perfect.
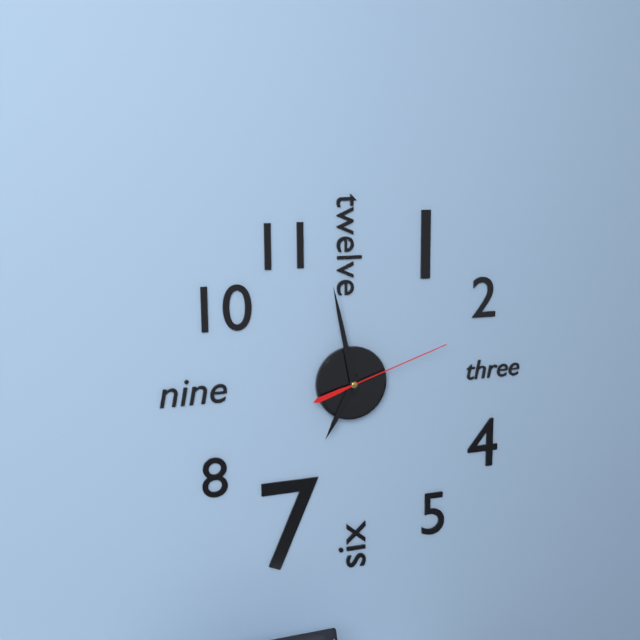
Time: {"hour": 6, "minute": 58, "second": 12}
